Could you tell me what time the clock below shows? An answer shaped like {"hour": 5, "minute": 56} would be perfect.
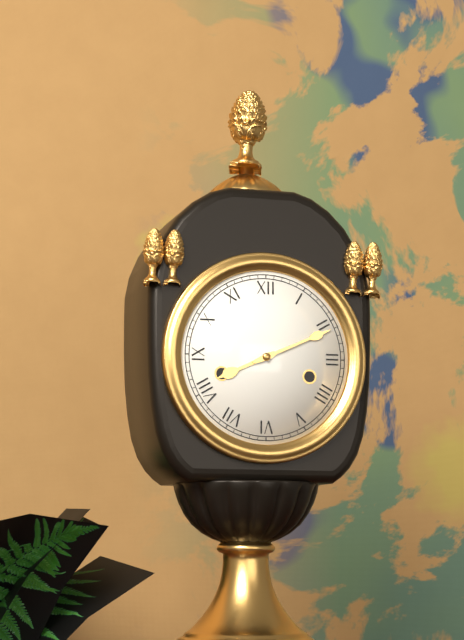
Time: {"hour": 8, "minute": 11}
